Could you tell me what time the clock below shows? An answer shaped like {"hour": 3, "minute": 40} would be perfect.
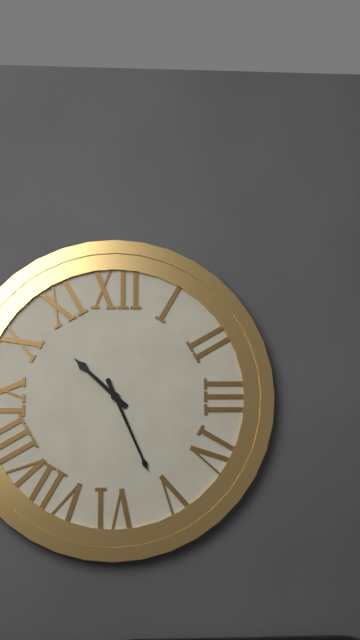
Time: {"hour": 10, "minute": 26}
